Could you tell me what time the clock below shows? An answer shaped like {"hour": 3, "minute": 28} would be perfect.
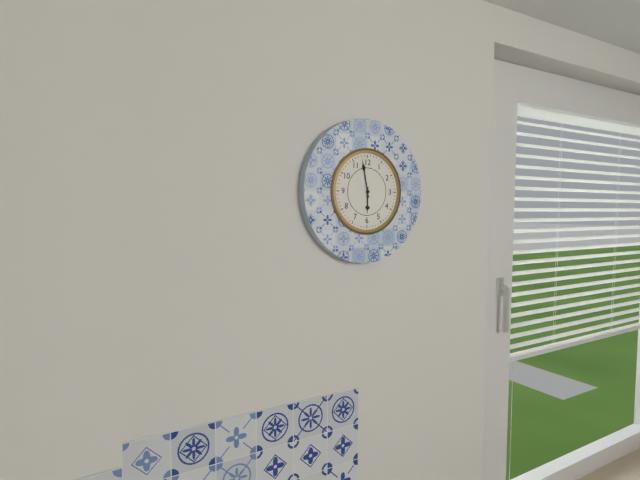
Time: {"hour": 5, "minute": 58}
